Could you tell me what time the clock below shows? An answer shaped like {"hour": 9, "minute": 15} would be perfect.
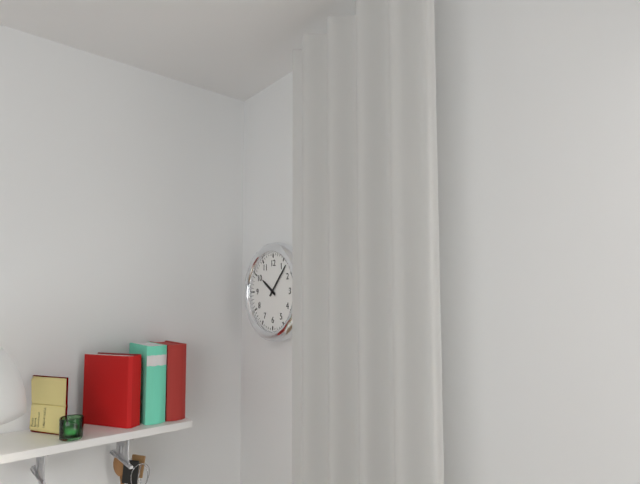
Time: {"hour": 10, "minute": 7}
